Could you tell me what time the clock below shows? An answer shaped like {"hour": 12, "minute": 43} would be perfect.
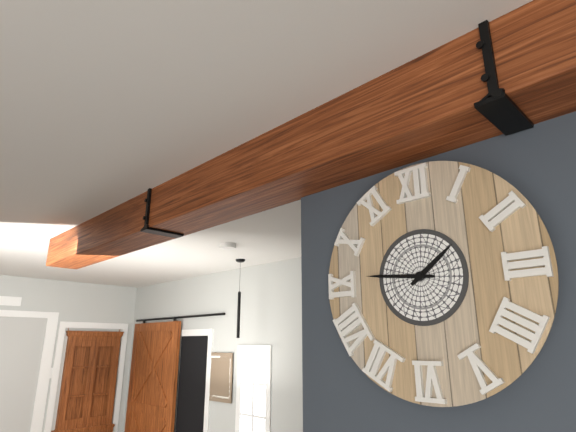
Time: {"hour": 1, "minute": 46}
